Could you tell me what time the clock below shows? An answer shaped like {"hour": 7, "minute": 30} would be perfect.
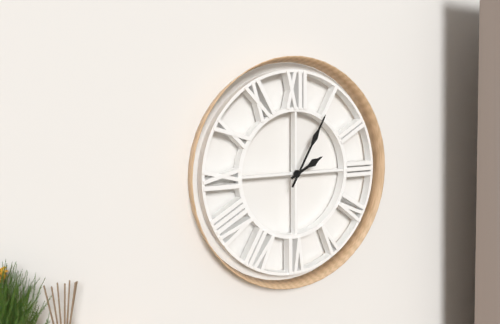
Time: {"hour": 2, "minute": 5}
